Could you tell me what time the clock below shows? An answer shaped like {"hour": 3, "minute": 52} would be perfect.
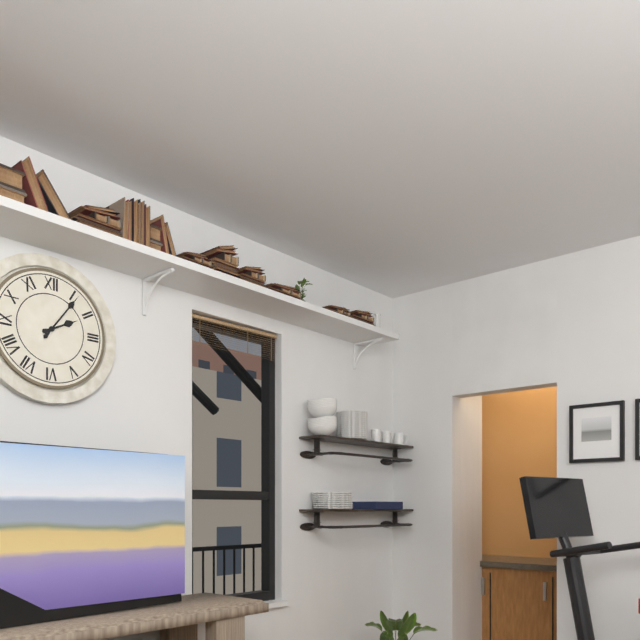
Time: {"hour": 2, "minute": 6}
